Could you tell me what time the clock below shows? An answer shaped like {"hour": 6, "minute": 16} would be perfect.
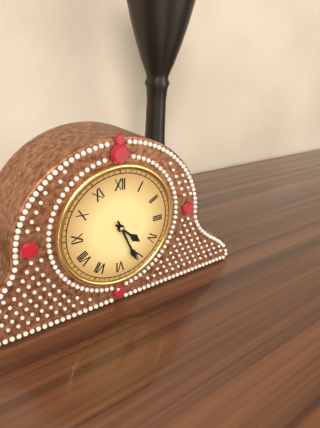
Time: {"hour": 4, "minute": 26}
